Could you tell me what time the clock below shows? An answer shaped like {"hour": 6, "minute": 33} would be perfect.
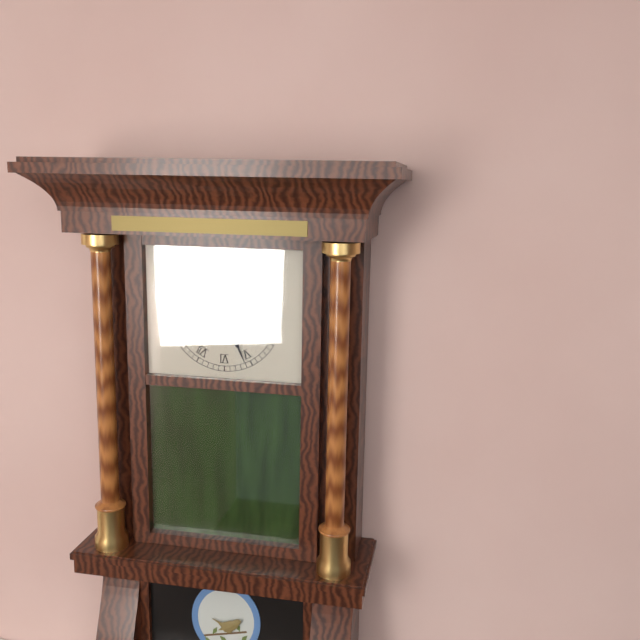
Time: {"hour": 12, "minute": 26}
